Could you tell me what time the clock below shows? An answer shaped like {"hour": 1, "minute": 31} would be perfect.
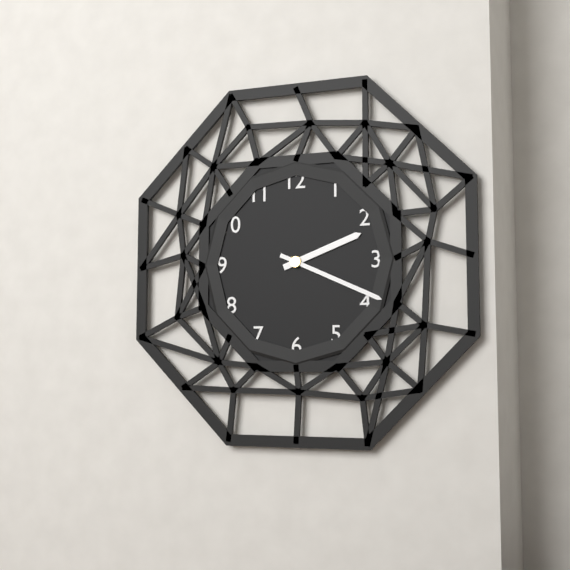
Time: {"hour": 2, "minute": 19}
